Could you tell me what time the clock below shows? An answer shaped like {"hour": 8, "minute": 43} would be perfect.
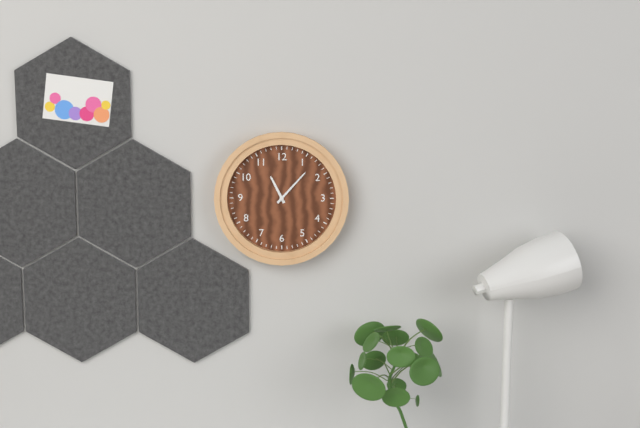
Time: {"hour": 11, "minute": 7}
